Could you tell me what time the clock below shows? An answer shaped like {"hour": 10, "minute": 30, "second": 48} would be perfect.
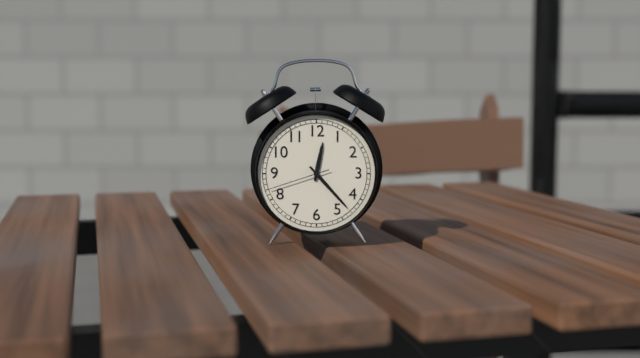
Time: {"hour": 12, "minute": 23, "second": 42}
